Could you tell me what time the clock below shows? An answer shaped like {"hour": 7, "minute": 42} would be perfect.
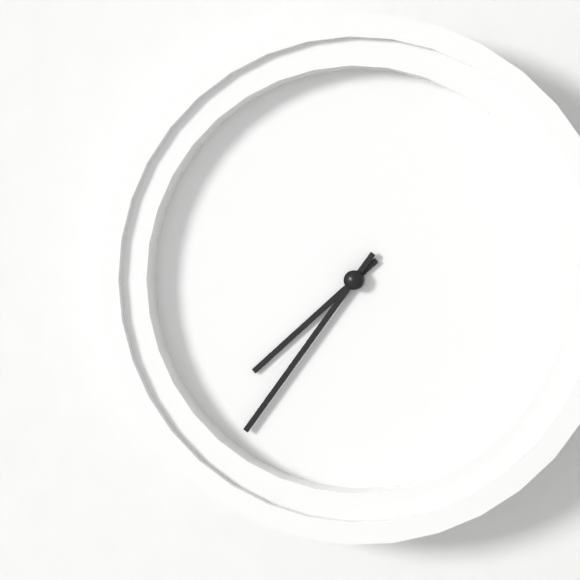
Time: {"hour": 7, "minute": 36}
